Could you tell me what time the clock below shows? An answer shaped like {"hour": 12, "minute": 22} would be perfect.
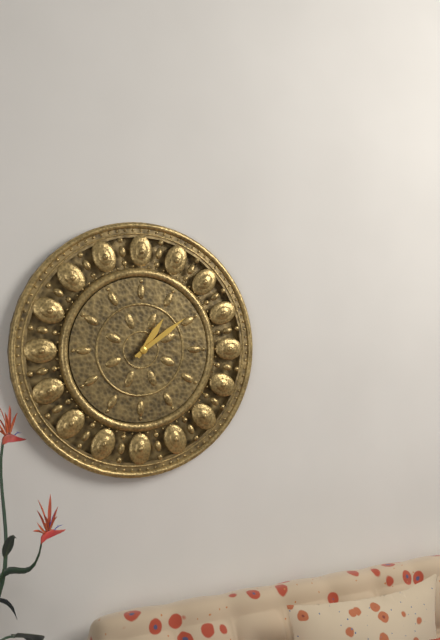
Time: {"hour": 1, "minute": 9}
